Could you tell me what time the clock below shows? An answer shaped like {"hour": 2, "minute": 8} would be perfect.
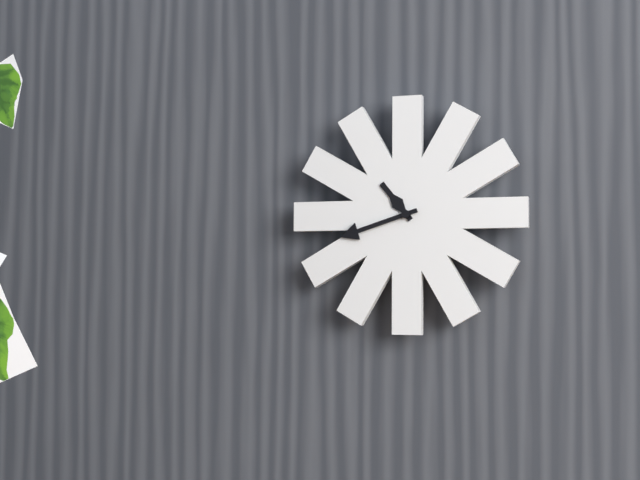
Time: {"hour": 10, "minute": 42}
